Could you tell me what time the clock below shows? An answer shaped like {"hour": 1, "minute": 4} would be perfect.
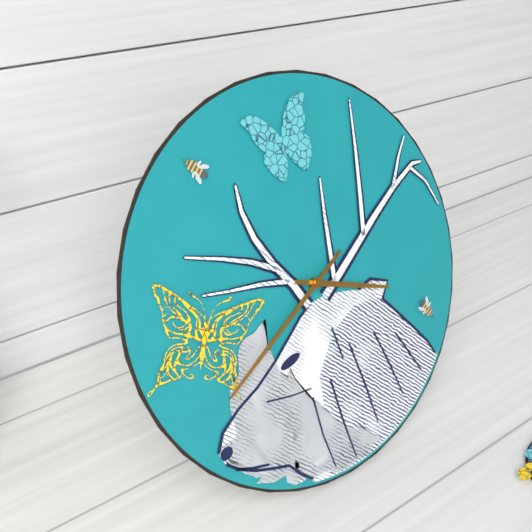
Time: {"hour": 3, "minute": 40}
